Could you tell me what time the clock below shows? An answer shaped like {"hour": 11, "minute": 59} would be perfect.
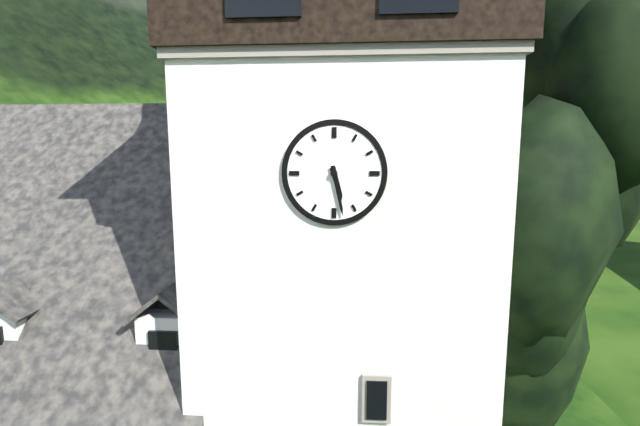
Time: {"hour": 5, "minute": 28}
